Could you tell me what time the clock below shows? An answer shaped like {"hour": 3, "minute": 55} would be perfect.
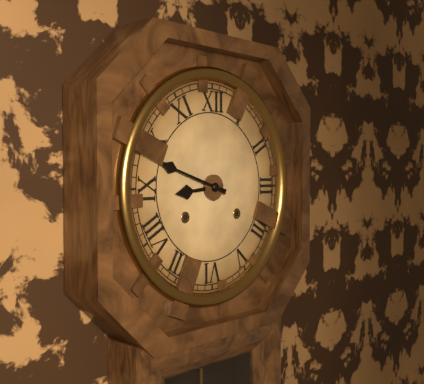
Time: {"hour": 8, "minute": 48}
